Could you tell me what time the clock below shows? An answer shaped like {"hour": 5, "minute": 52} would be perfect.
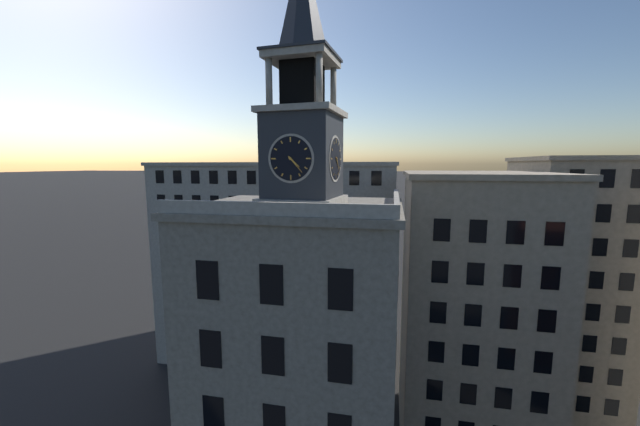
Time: {"hour": 4, "minute": 23}
